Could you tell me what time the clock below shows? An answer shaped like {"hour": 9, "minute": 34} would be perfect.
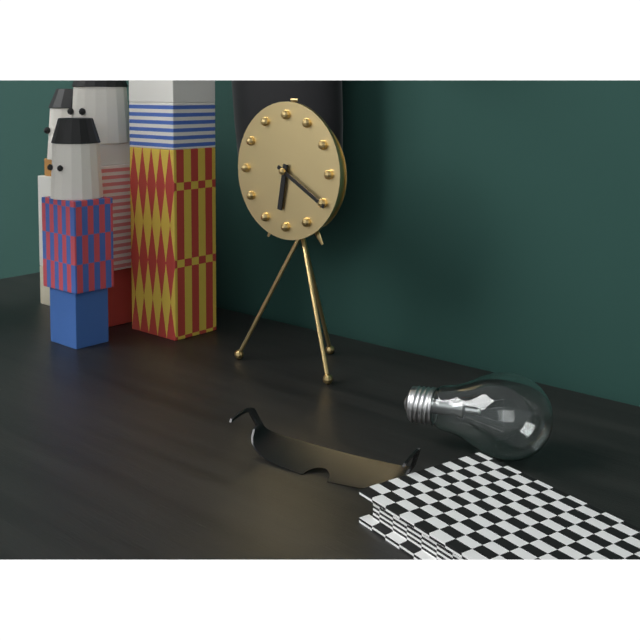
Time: {"hour": 6, "minute": 20}
